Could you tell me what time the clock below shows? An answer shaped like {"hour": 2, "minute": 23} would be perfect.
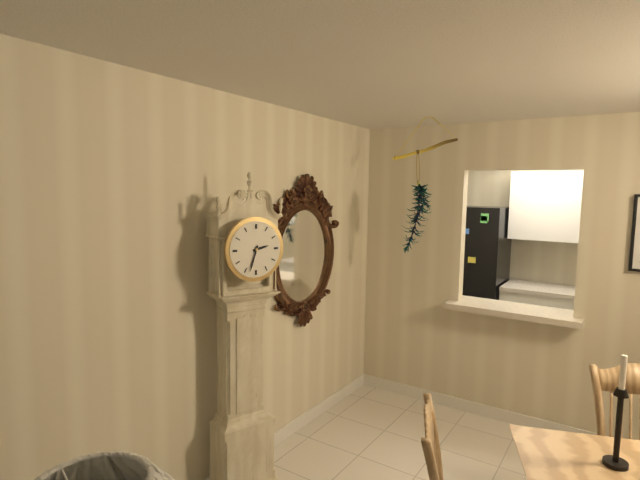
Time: {"hour": 2, "minute": 33}
